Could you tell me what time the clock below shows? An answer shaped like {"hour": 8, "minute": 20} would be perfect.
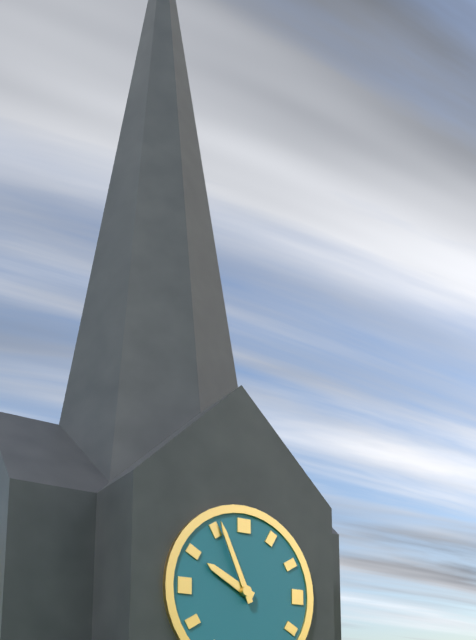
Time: {"hour": 9, "minute": 56}
